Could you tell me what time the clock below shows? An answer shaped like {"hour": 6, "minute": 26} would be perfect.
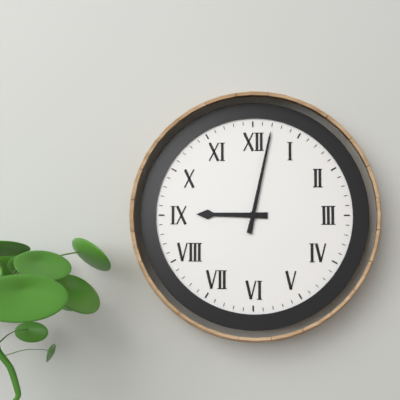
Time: {"hour": 9, "minute": 2}
